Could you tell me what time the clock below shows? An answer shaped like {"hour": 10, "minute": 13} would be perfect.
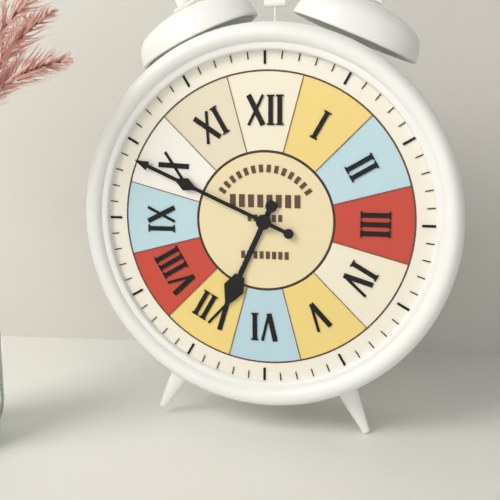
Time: {"hour": 6, "minute": 49}
